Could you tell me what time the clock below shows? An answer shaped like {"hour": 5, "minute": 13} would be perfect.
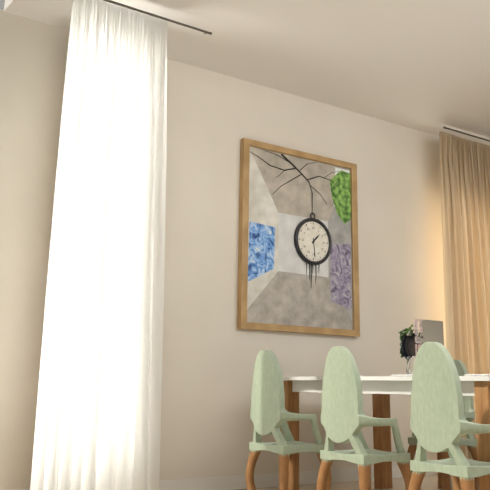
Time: {"hour": 1, "minute": 29}
